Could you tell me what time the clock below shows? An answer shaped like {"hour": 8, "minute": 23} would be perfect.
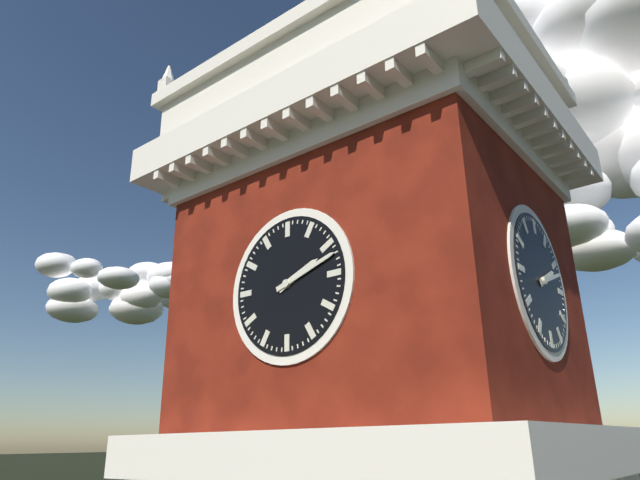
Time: {"hour": 2, "minute": 12}
